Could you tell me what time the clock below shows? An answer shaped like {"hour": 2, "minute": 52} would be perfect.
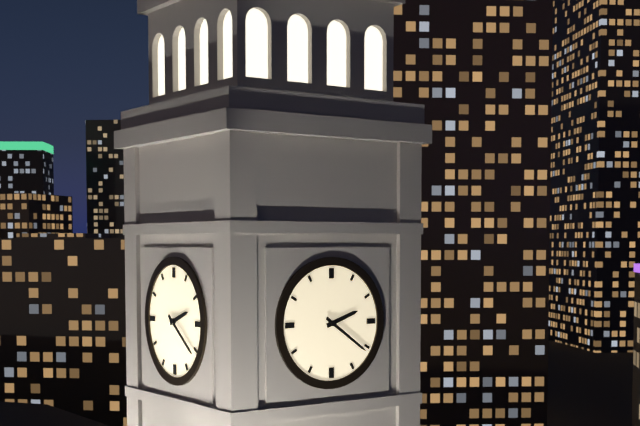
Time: {"hour": 2, "minute": 21}
